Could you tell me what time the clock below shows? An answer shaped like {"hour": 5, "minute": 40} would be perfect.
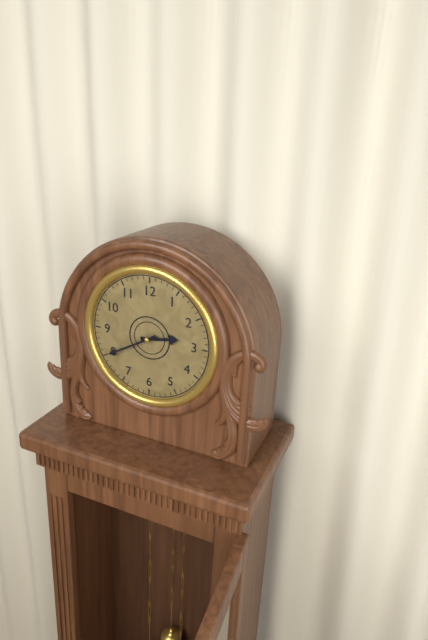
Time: {"hour": 2, "minute": 40}
